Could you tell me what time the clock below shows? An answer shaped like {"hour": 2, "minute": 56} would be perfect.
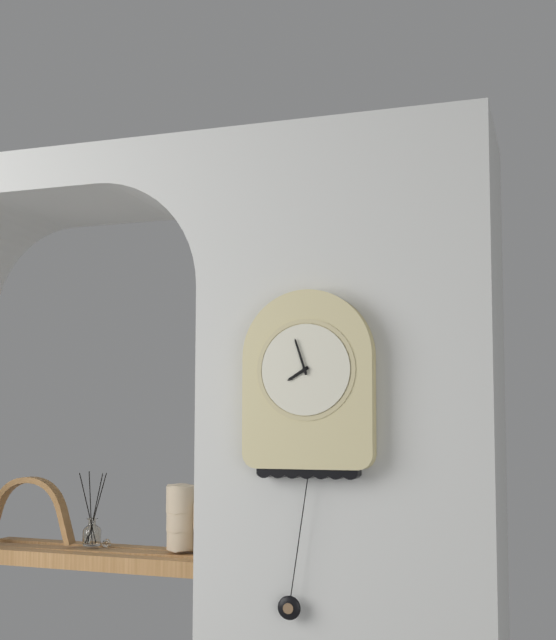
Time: {"hour": 7, "minute": 57}
